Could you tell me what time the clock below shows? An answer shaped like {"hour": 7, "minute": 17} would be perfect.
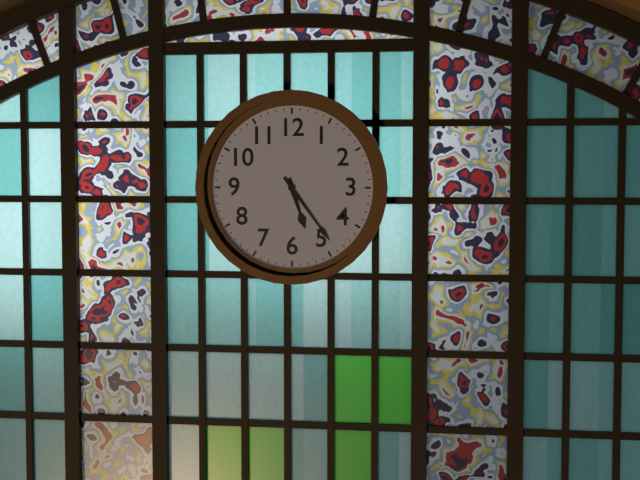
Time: {"hour": 5, "minute": 24}
